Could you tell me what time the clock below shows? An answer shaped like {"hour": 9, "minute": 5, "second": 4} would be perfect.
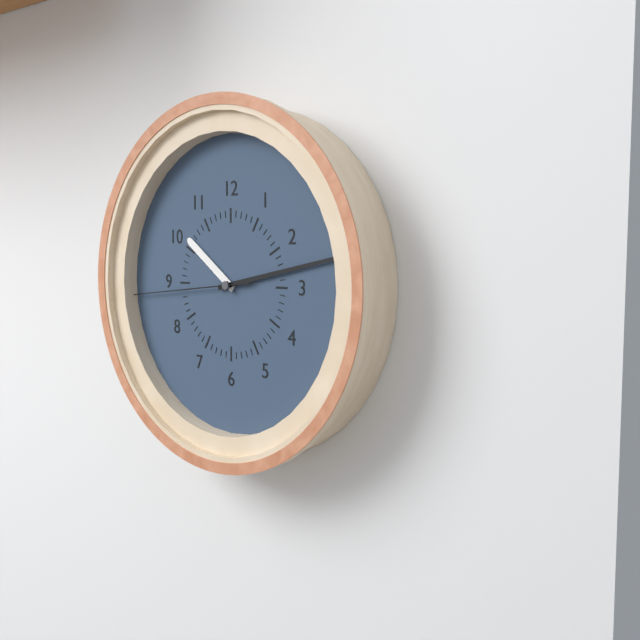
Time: {"hour": 10, "minute": 13, "second": 44}
